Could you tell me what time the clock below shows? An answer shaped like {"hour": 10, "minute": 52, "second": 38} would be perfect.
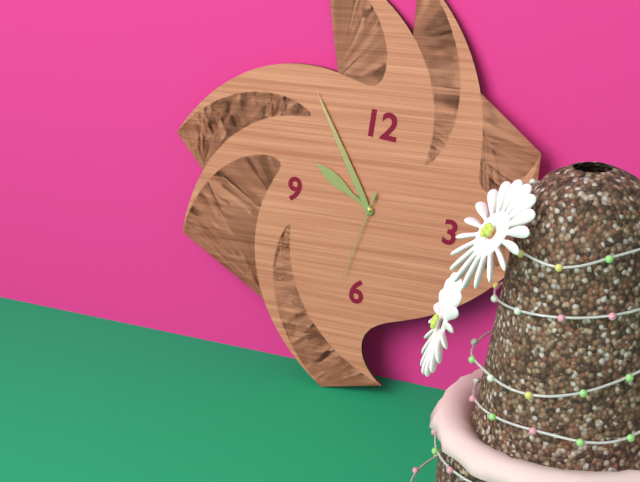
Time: {"hour": 9, "minute": 54, "second": 32}
